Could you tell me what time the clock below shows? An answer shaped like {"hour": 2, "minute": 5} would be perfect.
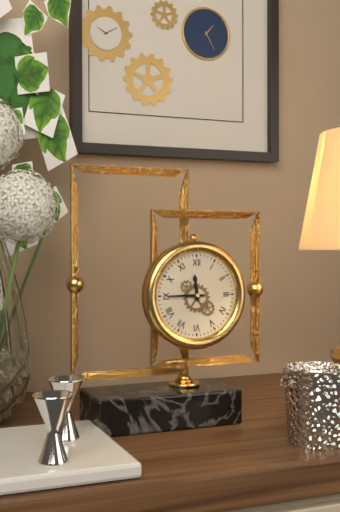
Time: {"hour": 11, "minute": 45}
